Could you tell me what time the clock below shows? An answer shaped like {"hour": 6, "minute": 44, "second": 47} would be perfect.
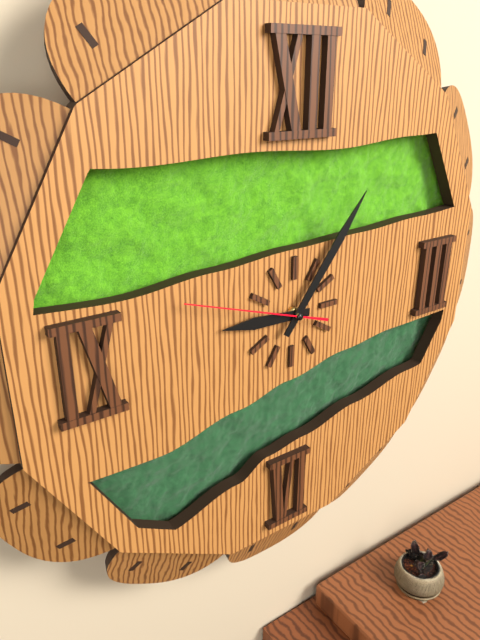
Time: {"hour": 9, "minute": 6, "second": 48}
